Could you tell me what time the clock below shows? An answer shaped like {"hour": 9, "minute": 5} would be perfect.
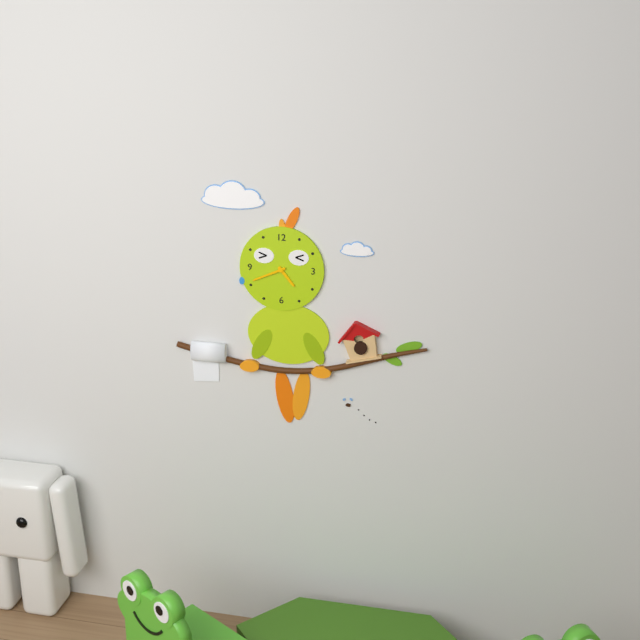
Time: {"hour": 4, "minute": 41}
